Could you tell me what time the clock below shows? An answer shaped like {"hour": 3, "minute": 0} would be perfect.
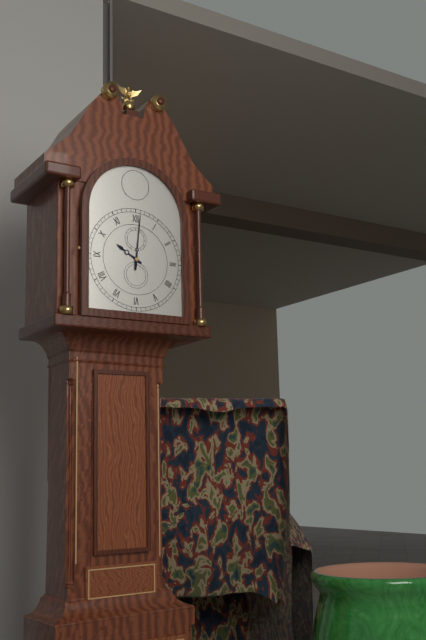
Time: {"hour": 10, "minute": 1}
